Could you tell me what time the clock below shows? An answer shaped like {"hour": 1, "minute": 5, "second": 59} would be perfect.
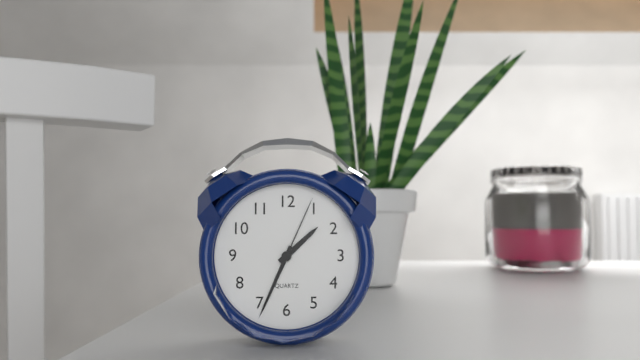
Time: {"hour": 1, "minute": 34, "second": 4}
